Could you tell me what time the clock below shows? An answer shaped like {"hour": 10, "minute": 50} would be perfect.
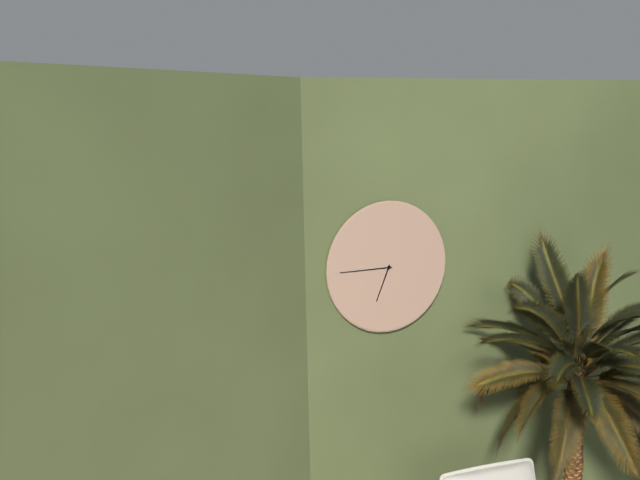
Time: {"hour": 6, "minute": 45}
